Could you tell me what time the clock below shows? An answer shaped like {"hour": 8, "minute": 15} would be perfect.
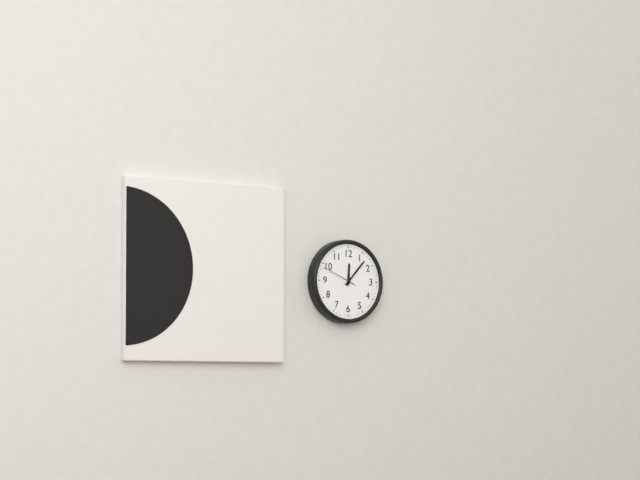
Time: {"hour": 12, "minute": 7}
